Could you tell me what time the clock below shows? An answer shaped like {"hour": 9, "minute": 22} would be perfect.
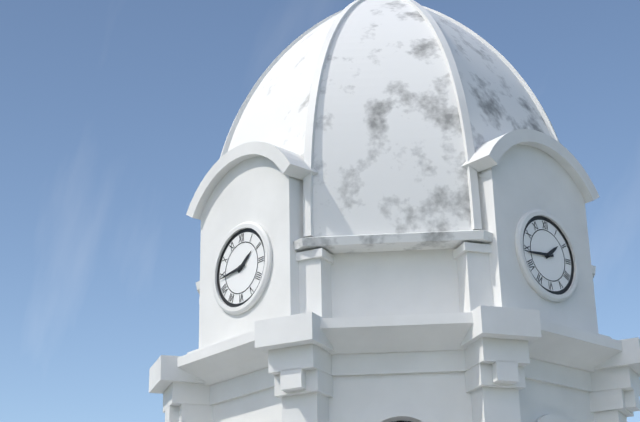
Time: {"hour": 1, "minute": 44}
